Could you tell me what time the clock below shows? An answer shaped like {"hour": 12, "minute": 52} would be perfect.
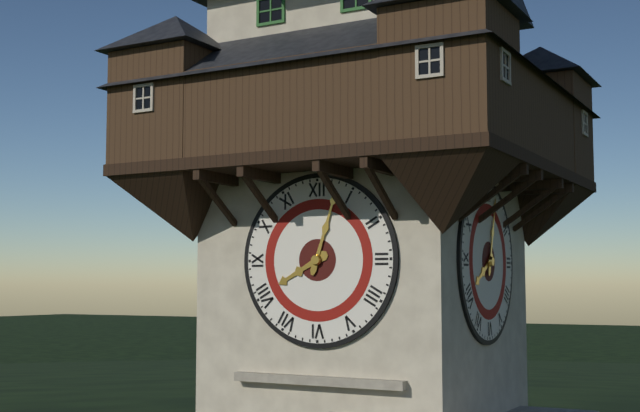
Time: {"hour": 8, "minute": 3}
